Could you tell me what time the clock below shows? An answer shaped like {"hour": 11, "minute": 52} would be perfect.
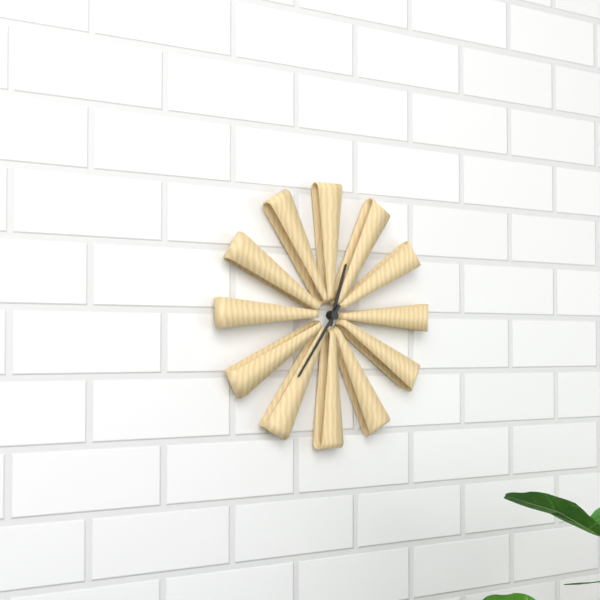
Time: {"hour": 12, "minute": 36}
